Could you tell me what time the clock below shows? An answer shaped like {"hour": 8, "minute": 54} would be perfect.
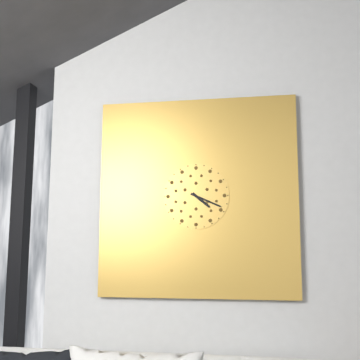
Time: {"hour": 4, "minute": 19}
